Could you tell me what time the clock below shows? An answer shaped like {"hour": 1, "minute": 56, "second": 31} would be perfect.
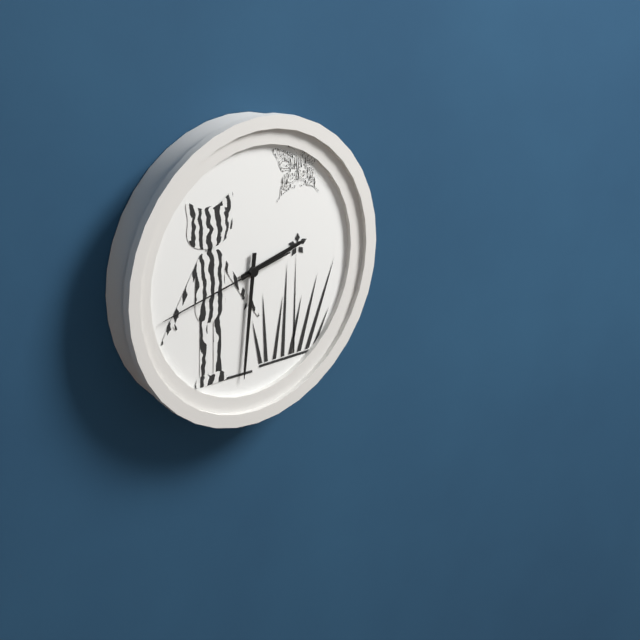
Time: {"hour": 2, "minute": 31, "second": 43}
